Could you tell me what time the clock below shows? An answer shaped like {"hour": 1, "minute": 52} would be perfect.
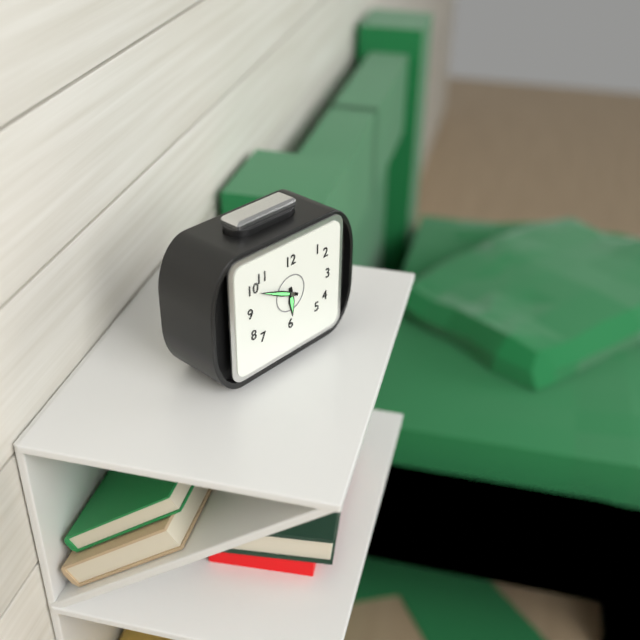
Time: {"hour": 5, "minute": 49}
